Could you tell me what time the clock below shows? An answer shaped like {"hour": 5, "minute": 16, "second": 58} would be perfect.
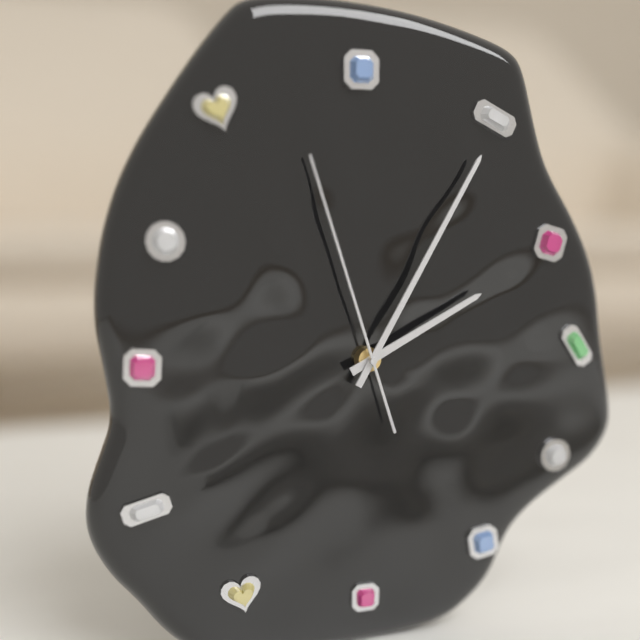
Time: {"hour": 2, "minute": 5, "second": 57}
